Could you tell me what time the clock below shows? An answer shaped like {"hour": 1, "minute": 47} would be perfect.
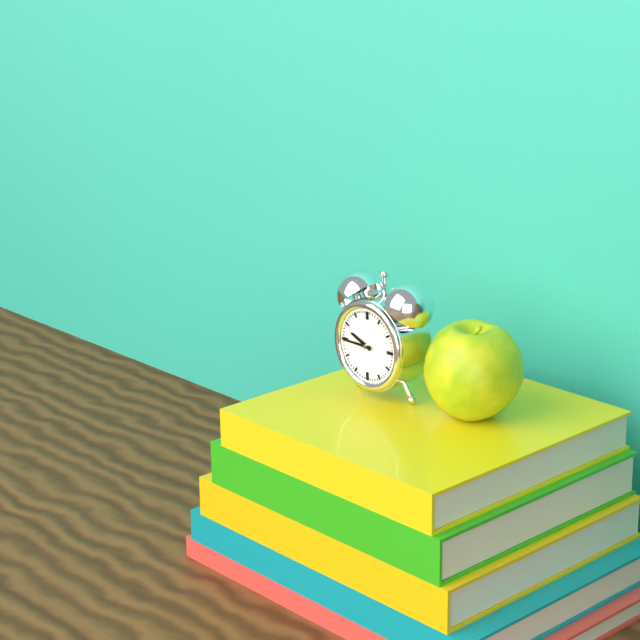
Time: {"hour": 9, "minute": 45}
